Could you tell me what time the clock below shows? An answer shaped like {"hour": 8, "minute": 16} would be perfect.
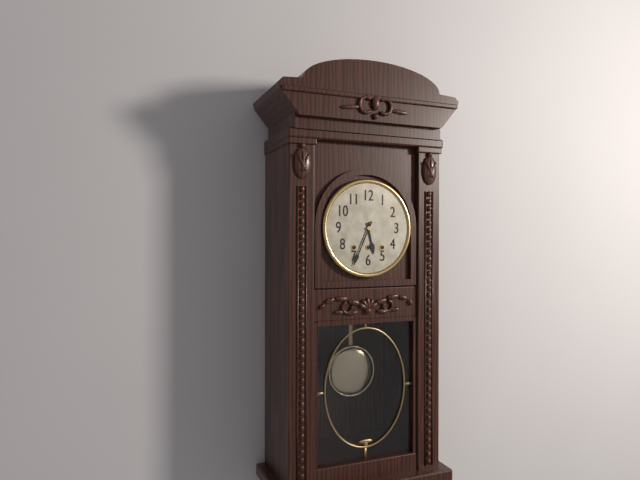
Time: {"hour": 5, "minute": 34}
